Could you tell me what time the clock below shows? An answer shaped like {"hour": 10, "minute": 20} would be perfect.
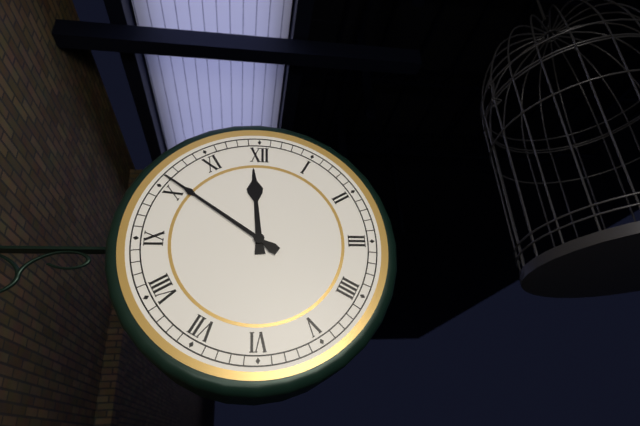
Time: {"hour": 11, "minute": 51}
